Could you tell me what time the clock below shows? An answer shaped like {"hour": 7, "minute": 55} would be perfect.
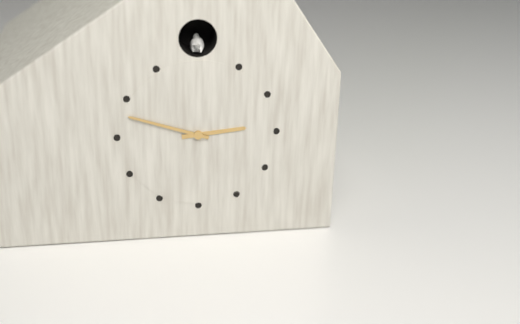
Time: {"hour": 2, "minute": 48}
